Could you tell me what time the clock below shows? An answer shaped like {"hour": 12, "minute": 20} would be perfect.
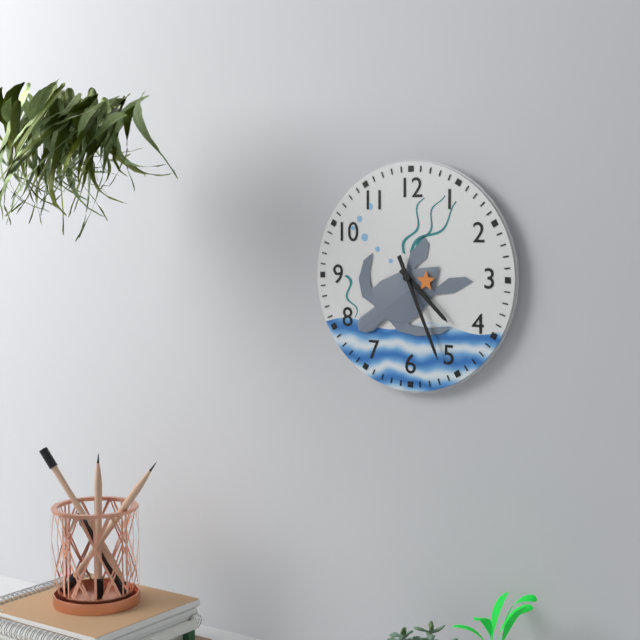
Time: {"hour": 4, "minute": 26}
